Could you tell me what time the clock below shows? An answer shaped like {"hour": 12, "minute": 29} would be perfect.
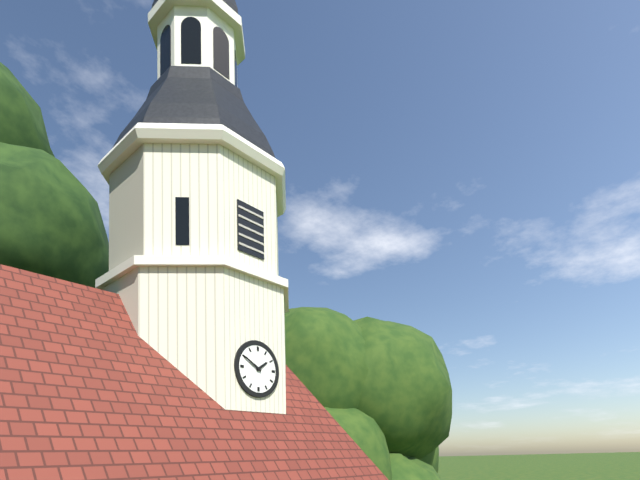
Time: {"hour": 1, "minute": 50}
